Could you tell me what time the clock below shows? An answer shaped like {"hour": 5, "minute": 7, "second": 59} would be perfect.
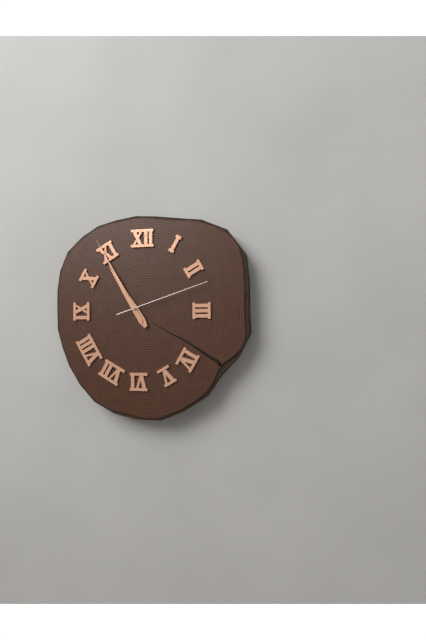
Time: {"hour": 10, "minute": 55, "second": 12}
